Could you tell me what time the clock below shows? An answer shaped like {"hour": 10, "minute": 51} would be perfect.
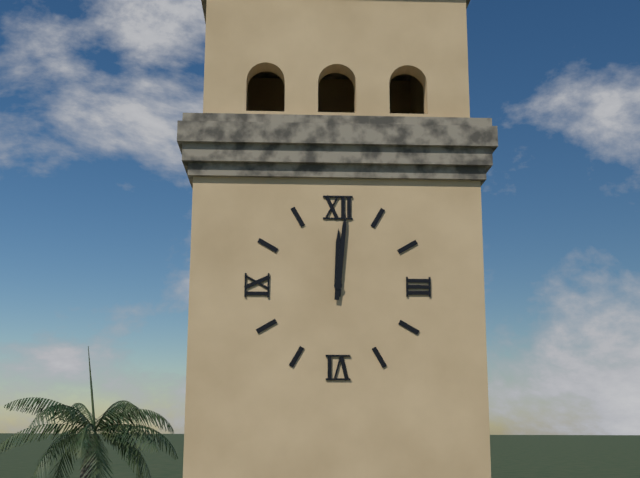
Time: {"hour": 12, "minute": 1}
